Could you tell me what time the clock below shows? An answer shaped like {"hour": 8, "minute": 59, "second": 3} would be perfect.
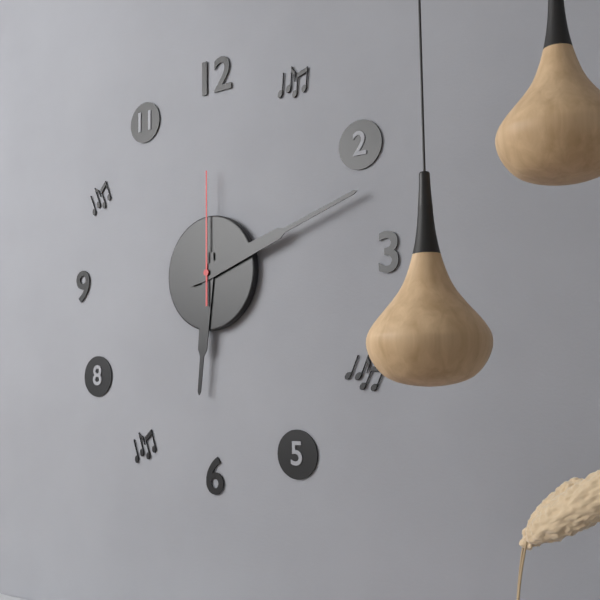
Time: {"hour": 6, "minute": 12, "second": 0}
